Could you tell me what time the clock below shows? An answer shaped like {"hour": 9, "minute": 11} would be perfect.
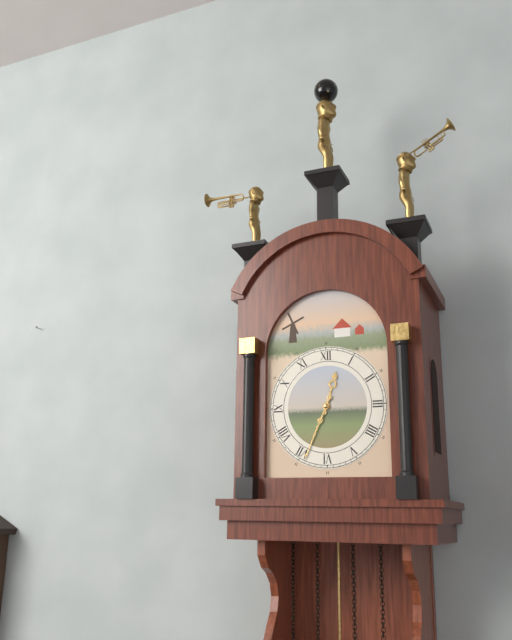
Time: {"hour": 12, "minute": 34}
